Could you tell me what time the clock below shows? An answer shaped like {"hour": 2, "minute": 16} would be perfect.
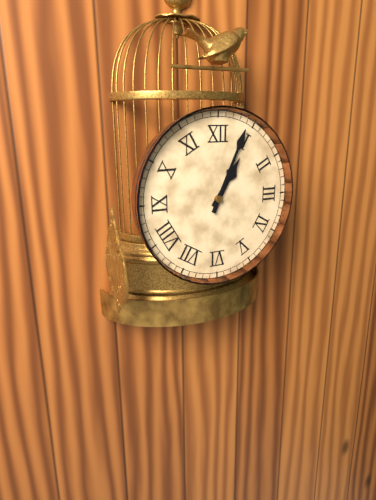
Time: {"hour": 1, "minute": 4}
